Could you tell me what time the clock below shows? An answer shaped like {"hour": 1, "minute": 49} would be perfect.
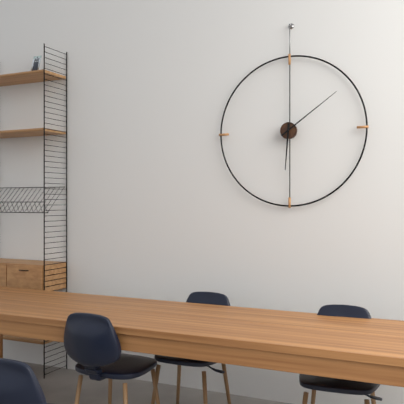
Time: {"hour": 6, "minute": 9}
